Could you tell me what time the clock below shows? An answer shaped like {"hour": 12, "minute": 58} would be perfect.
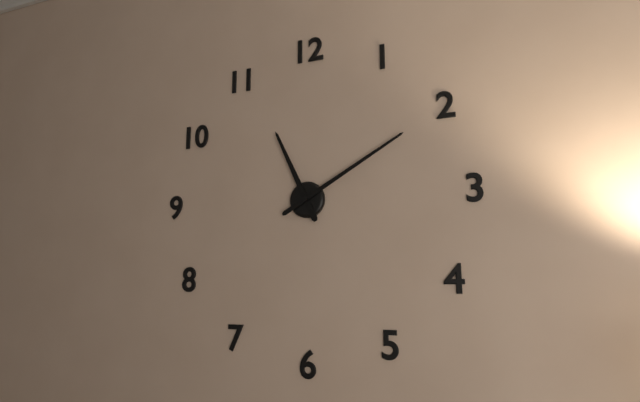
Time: {"hour": 11, "minute": 10}
